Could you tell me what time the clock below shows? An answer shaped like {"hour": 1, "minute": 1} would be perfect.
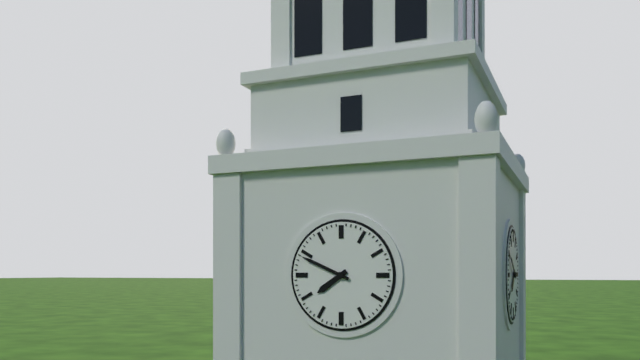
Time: {"hour": 7, "minute": 49}
